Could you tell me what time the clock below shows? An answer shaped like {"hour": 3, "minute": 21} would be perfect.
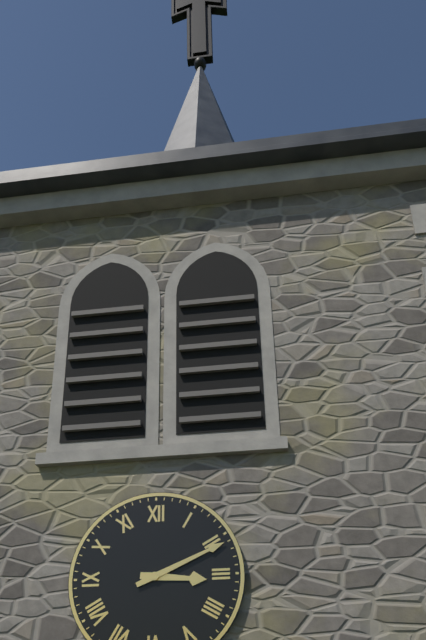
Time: {"hour": 3, "minute": 11}
